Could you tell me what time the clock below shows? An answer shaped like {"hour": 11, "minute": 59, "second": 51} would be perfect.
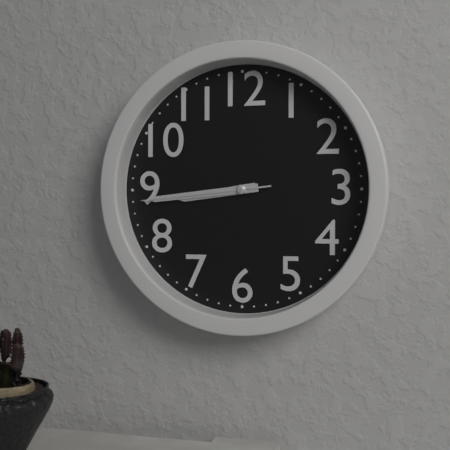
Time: {"hour": 8, "minute": 44, "second": 44}
